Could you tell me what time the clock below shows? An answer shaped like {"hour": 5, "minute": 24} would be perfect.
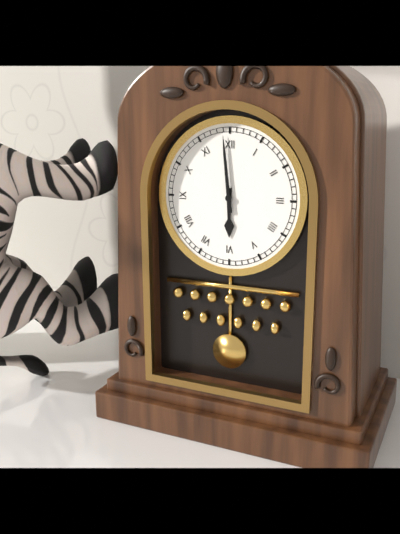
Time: {"hour": 5, "minute": 59}
